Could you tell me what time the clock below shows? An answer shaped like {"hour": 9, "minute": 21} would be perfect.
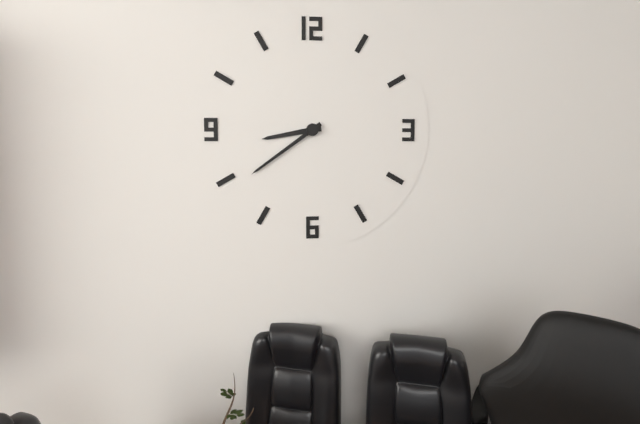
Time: {"hour": 8, "minute": 39}
